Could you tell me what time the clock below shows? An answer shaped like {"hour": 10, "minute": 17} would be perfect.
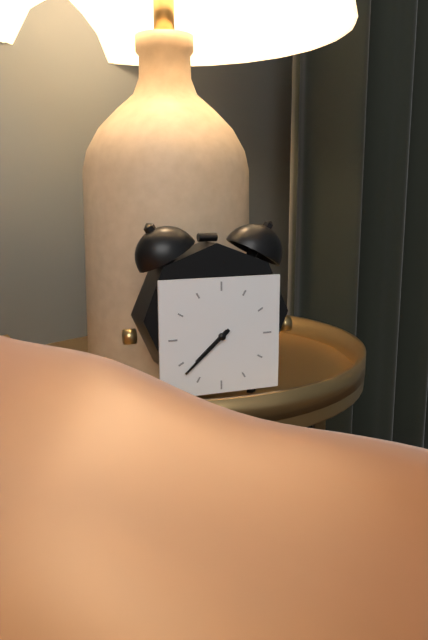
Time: {"hour": 7, "minute": 38}
